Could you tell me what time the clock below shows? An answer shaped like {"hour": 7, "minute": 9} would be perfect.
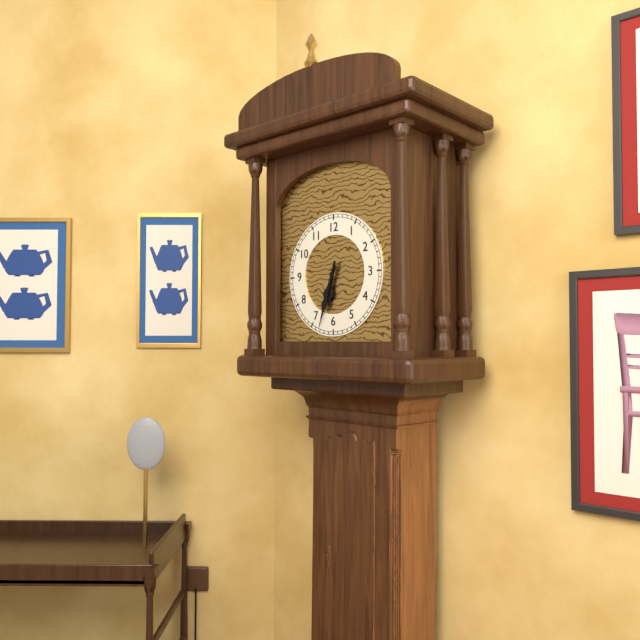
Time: {"hour": 6, "minute": 33}
